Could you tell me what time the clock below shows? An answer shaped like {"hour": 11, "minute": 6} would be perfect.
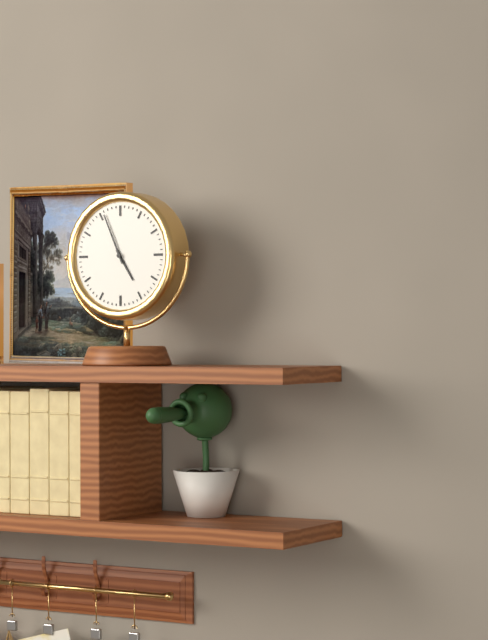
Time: {"hour": 4, "minute": 56}
